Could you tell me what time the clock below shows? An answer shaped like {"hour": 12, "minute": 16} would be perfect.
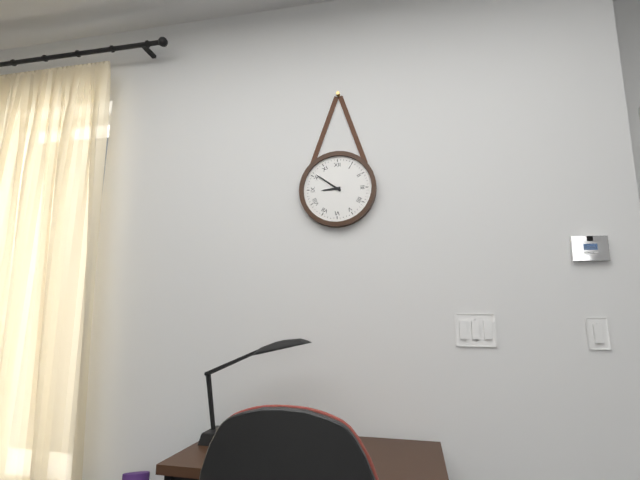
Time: {"hour": 8, "minute": 51}
